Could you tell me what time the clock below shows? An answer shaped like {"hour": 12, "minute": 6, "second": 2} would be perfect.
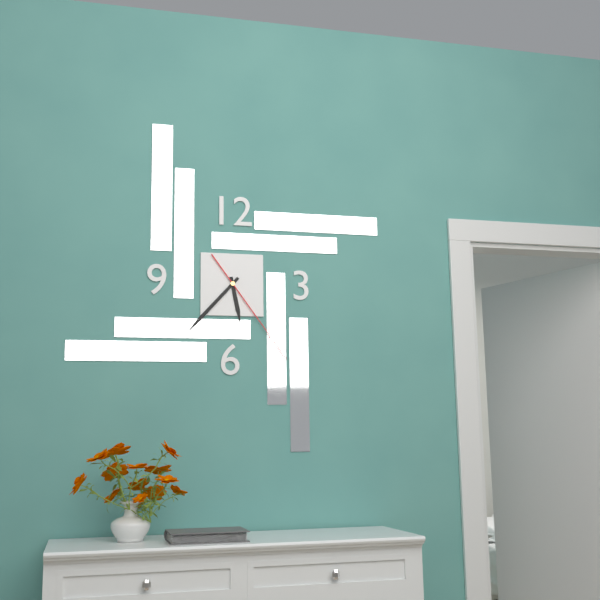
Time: {"hour": 5, "minute": 37, "second": 24}
